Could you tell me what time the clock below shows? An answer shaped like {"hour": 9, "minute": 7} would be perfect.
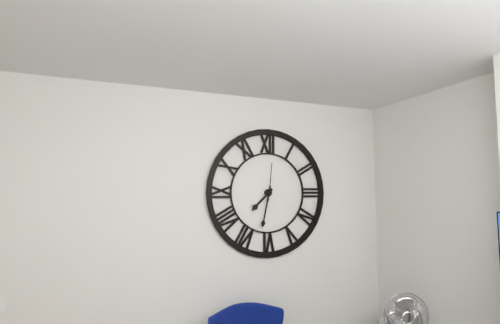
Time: {"hour": 7, "minute": 32}
